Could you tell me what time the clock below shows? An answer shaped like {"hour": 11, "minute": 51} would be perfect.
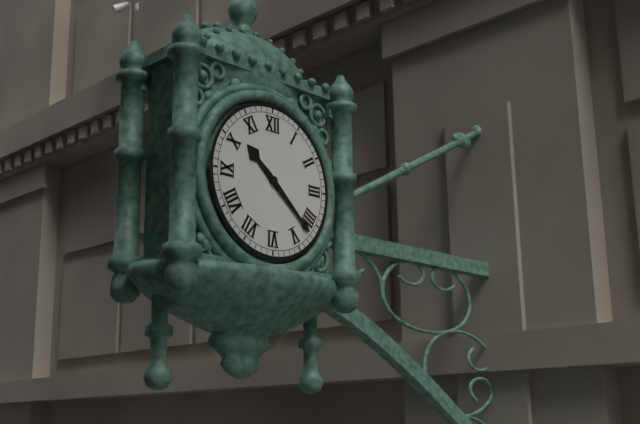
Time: {"hour": 10, "minute": 22}
